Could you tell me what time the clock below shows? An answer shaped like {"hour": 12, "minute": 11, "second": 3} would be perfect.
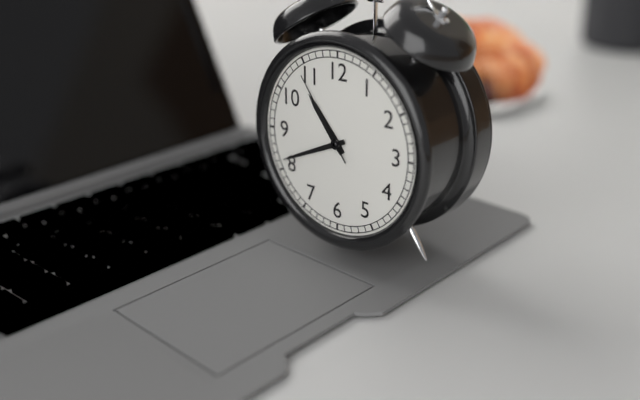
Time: {"hour": 10, "minute": 41, "second": 54}
